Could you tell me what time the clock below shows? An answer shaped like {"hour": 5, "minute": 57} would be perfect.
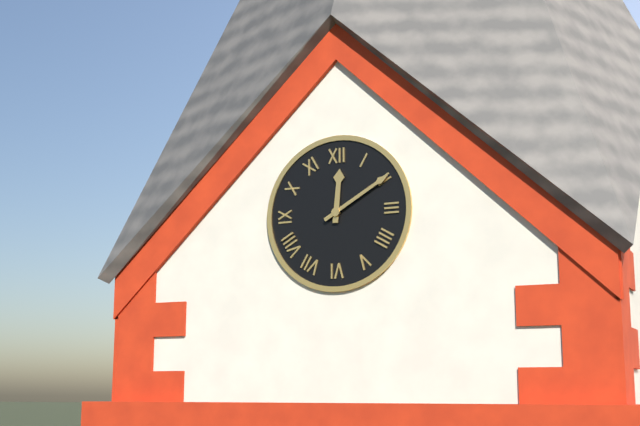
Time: {"hour": 12, "minute": 10}
